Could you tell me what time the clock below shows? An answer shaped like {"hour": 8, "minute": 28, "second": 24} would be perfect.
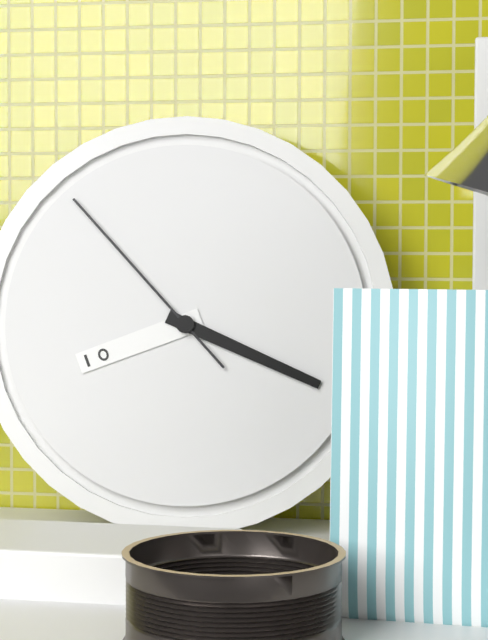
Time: {"hour": 8, "minute": 19, "second": 53}
